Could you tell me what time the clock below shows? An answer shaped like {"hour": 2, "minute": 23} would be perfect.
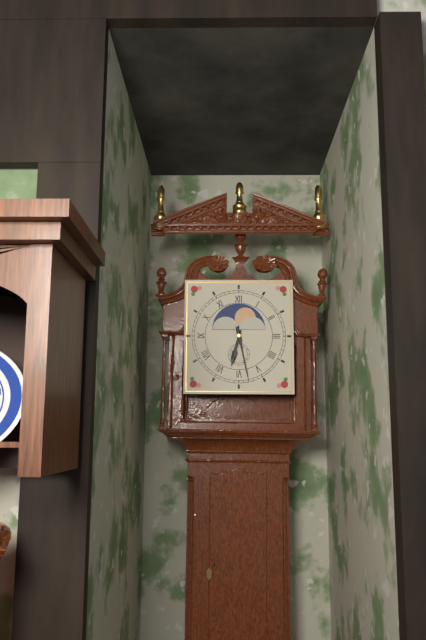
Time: {"hour": 6, "minute": 28}
